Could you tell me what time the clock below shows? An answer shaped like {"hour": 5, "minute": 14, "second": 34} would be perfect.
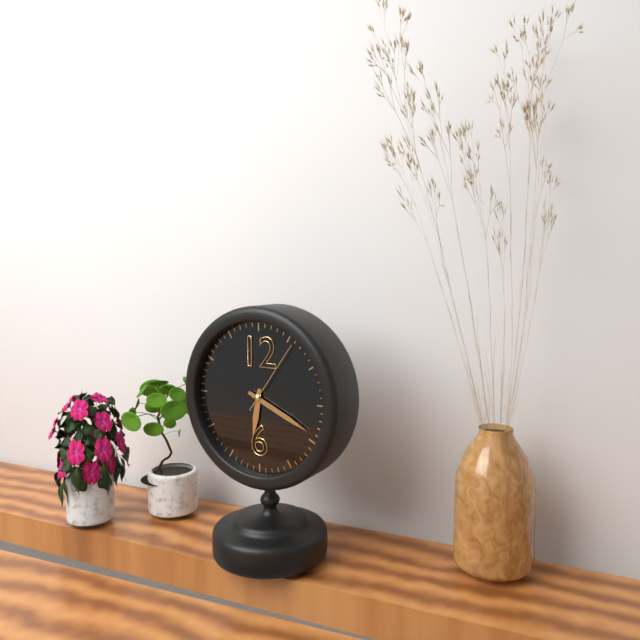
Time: {"hour": 6, "minute": 19, "second": 6}
